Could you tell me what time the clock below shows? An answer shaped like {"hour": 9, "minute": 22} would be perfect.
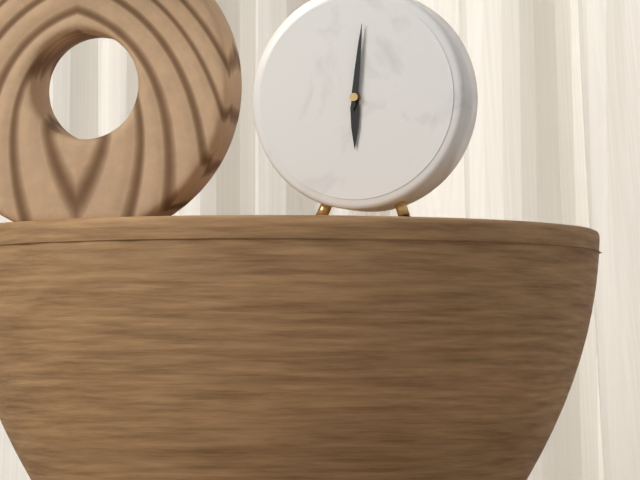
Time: {"hour": 6, "minute": 1}
